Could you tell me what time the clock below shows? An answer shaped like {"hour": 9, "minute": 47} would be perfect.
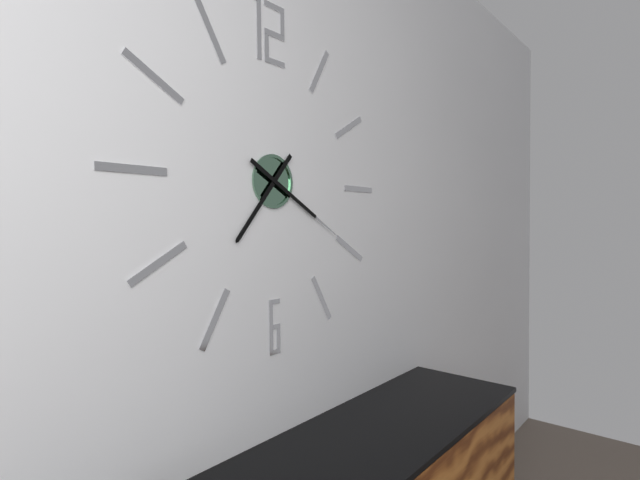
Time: {"hour": 7, "minute": 20}
